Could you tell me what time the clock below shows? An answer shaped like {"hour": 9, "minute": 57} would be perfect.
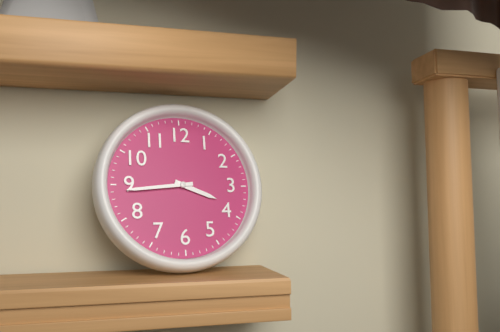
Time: {"hour": 3, "minute": 44}
